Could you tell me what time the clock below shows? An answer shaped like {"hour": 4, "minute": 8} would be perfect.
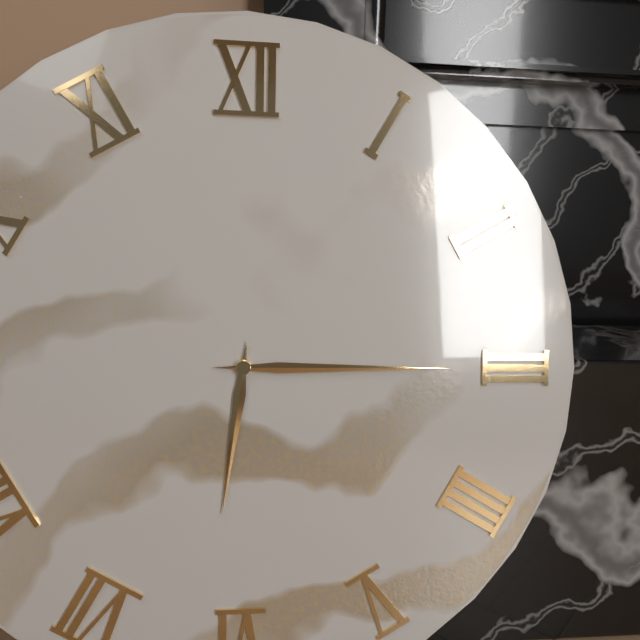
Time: {"hour": 6, "minute": 15}
